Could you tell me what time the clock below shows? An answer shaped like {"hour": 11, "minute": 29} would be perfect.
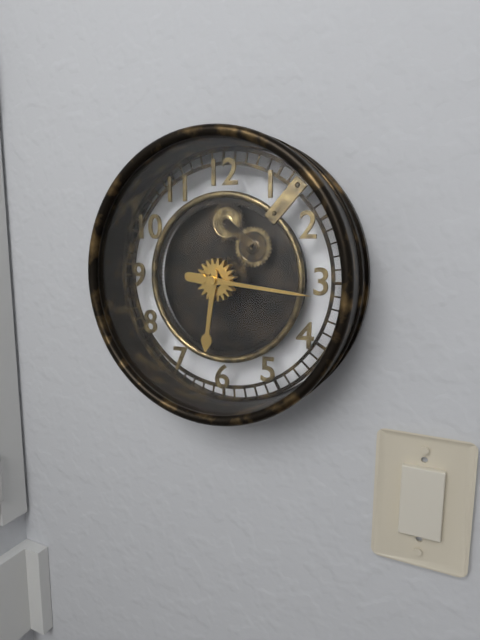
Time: {"hour": 6, "minute": 16}
